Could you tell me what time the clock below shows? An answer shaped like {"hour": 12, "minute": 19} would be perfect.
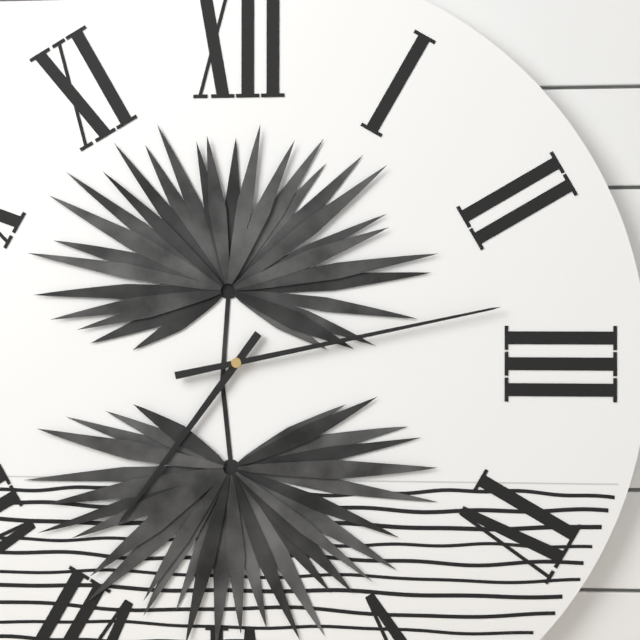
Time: {"hour": 7, "minute": 13}
